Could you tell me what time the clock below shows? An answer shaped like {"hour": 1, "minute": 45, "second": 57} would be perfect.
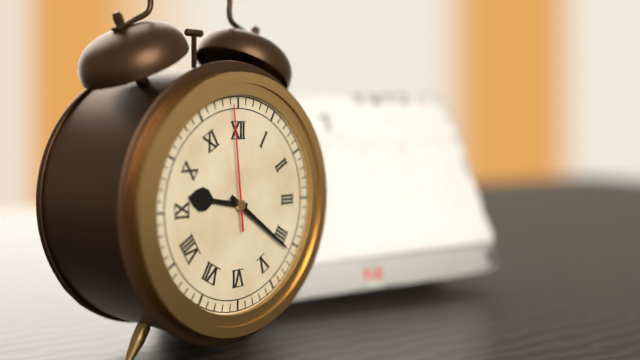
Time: {"hour": 9, "minute": 21, "second": 59}
